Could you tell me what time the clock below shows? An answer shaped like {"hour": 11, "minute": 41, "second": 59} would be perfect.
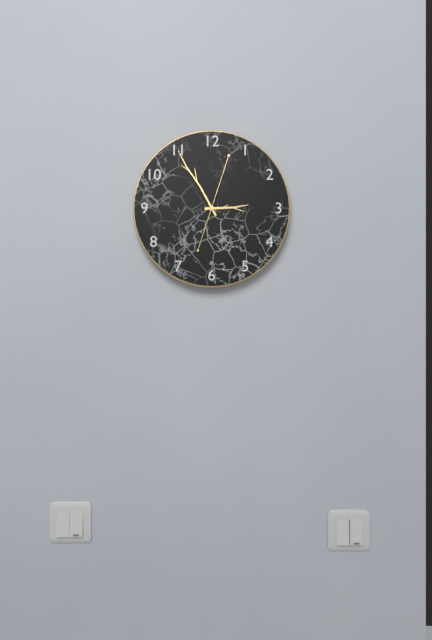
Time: {"hour": 2, "minute": 55, "second": 3}
